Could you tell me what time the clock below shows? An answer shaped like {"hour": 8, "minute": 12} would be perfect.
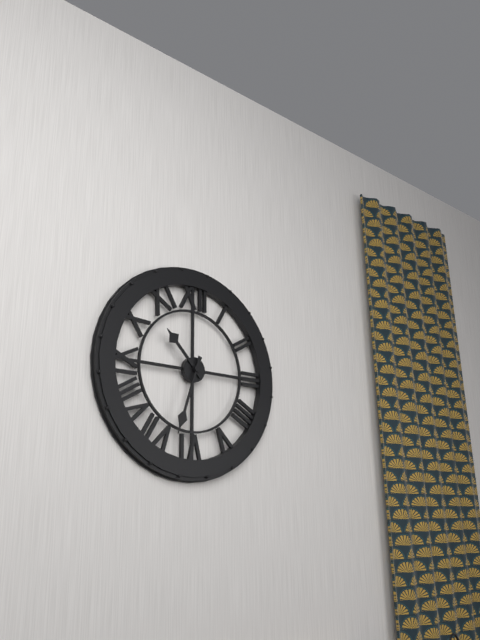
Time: {"hour": 10, "minute": 33}
